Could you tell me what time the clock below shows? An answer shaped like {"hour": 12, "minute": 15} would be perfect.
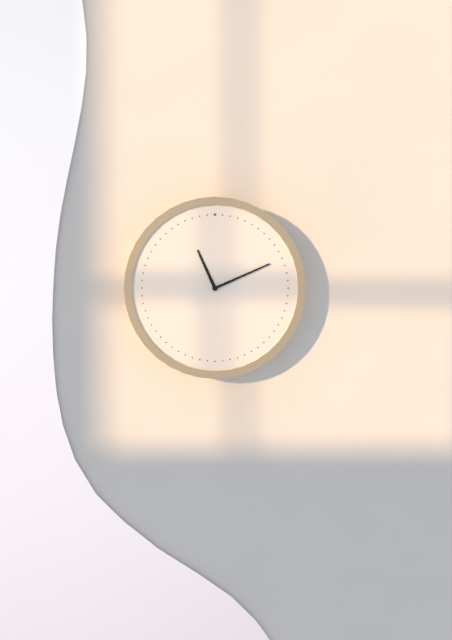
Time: {"hour": 11, "minute": 11}
